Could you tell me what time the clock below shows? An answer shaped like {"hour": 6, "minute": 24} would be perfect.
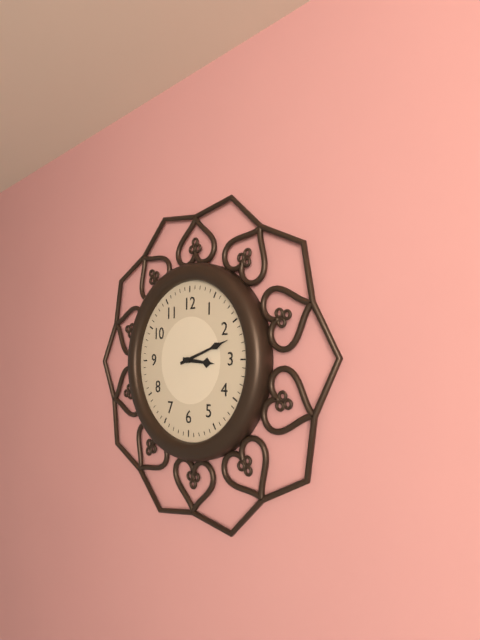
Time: {"hour": 3, "minute": 12}
